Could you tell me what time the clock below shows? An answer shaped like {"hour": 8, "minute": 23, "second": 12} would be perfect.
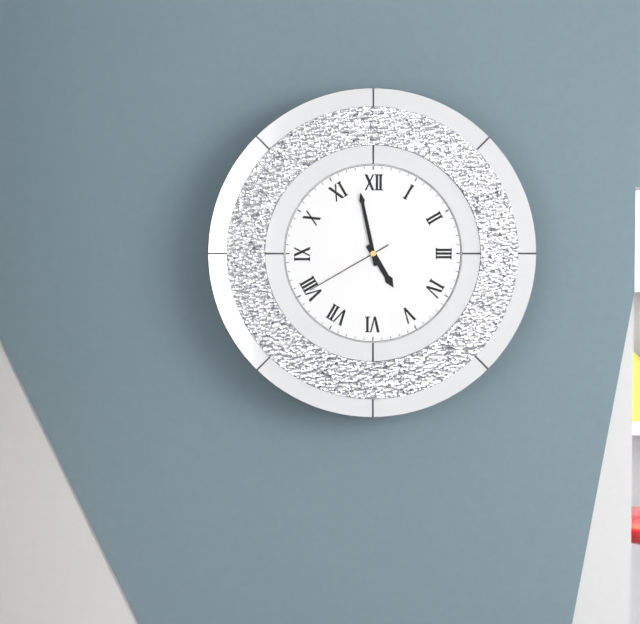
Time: {"hour": 4, "minute": 58, "second": 40}
